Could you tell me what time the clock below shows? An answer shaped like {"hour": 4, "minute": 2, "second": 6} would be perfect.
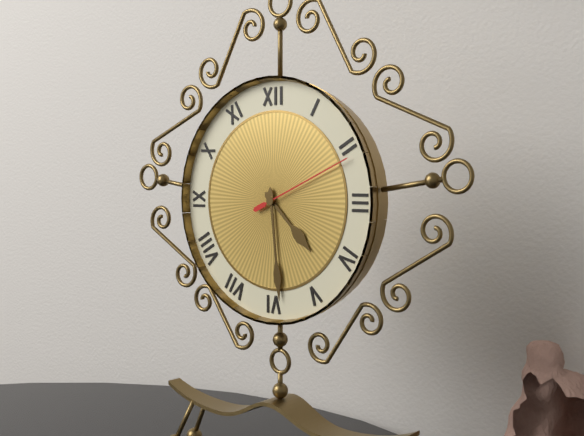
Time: {"hour": 4, "minute": 29, "second": 11}
